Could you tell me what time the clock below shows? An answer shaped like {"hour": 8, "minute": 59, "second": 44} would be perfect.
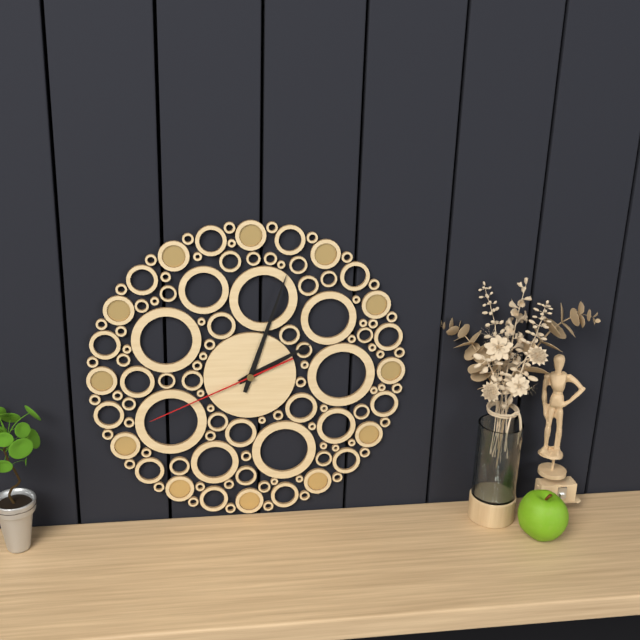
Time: {"hour": 2, "minute": 3, "second": 41}
